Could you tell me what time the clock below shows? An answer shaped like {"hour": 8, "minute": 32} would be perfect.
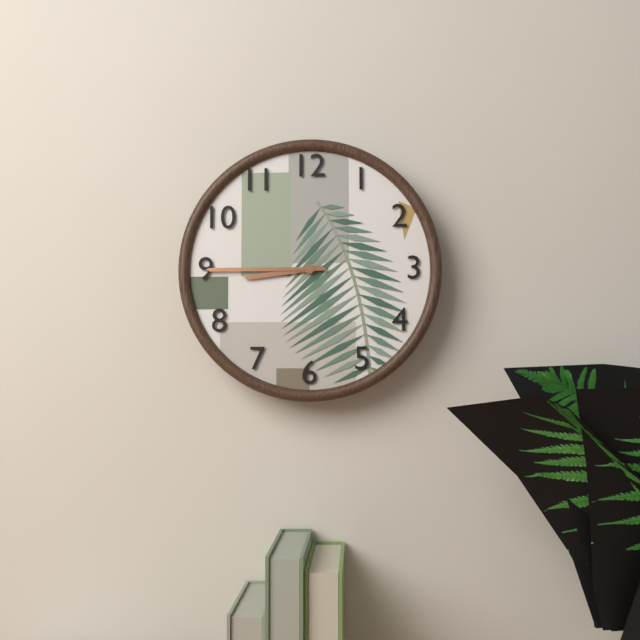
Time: {"hour": 8, "minute": 45}
